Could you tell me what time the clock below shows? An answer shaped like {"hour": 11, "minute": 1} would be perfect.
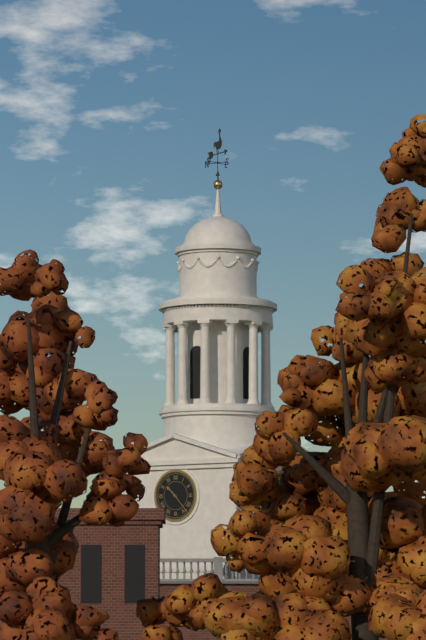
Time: {"hour": 10, "minute": 23}
